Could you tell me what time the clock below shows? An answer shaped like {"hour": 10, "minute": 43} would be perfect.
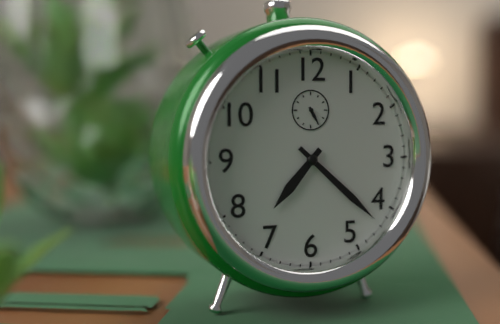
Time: {"hour": 7, "minute": 22}
